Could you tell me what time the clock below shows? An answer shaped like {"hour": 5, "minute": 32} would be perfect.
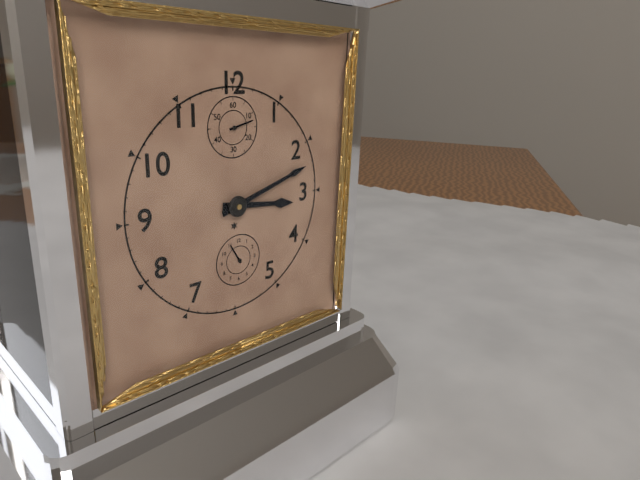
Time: {"hour": 3, "minute": 12}
